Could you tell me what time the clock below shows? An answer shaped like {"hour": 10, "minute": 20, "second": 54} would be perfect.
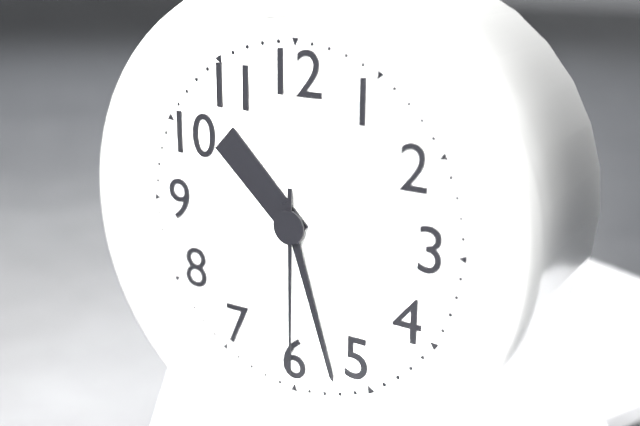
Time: {"hour": 10, "minute": 27, "second": 30}
